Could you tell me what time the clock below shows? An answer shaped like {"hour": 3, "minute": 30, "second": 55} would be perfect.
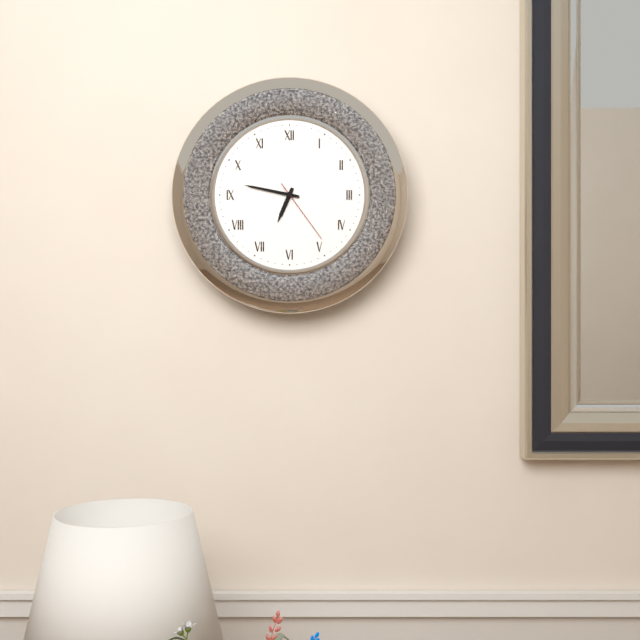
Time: {"hour": 6, "minute": 47, "second": 24}
